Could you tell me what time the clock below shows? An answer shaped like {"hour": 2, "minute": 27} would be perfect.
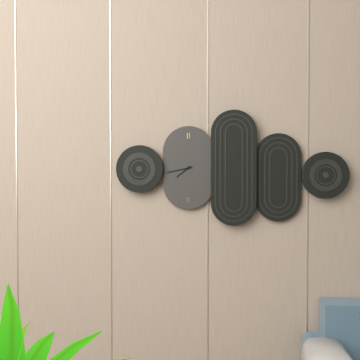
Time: {"hour": 7, "minute": 43}
